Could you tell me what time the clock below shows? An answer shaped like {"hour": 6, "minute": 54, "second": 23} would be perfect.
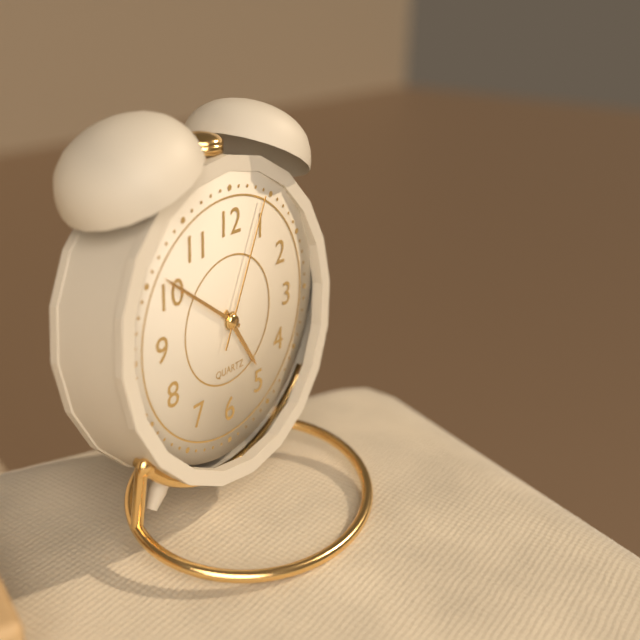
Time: {"hour": 4, "minute": 51, "second": 4}
